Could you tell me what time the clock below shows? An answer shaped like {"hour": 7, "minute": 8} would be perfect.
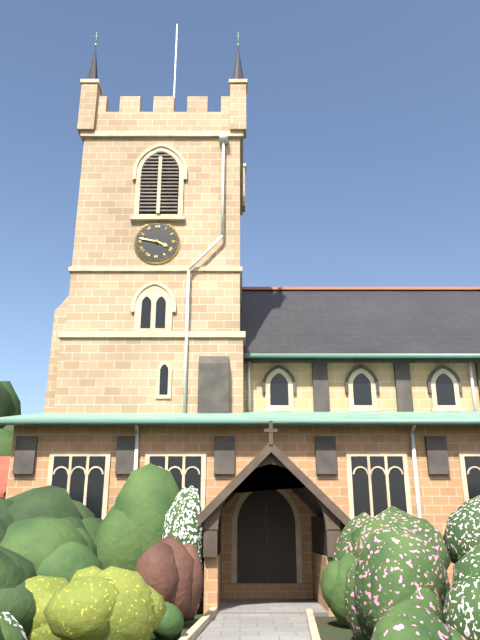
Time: {"hour": 3, "minute": 47}
